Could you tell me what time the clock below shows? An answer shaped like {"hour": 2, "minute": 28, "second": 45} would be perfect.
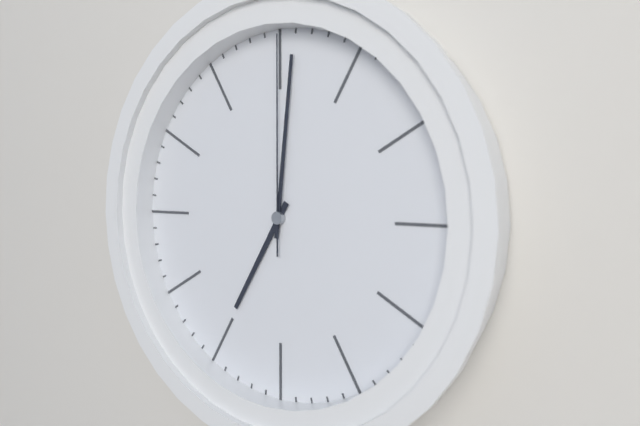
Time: {"hour": 7, "minute": 1, "second": 0}
